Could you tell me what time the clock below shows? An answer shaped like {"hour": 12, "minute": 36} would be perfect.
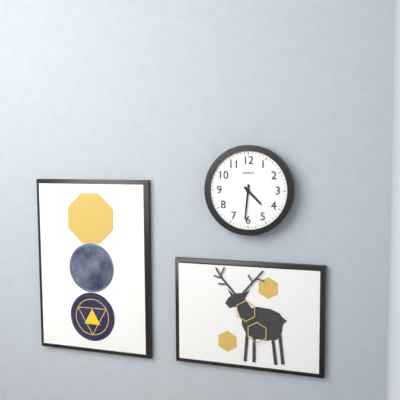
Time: {"hour": 4, "minute": 31}
